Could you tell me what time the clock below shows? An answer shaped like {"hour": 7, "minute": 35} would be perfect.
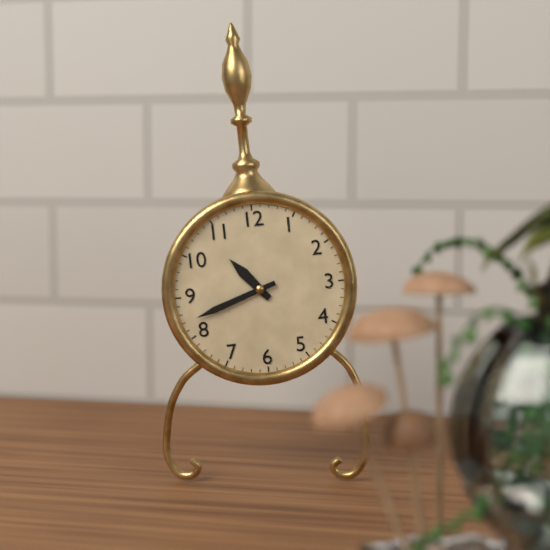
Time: {"hour": 10, "minute": 42}
